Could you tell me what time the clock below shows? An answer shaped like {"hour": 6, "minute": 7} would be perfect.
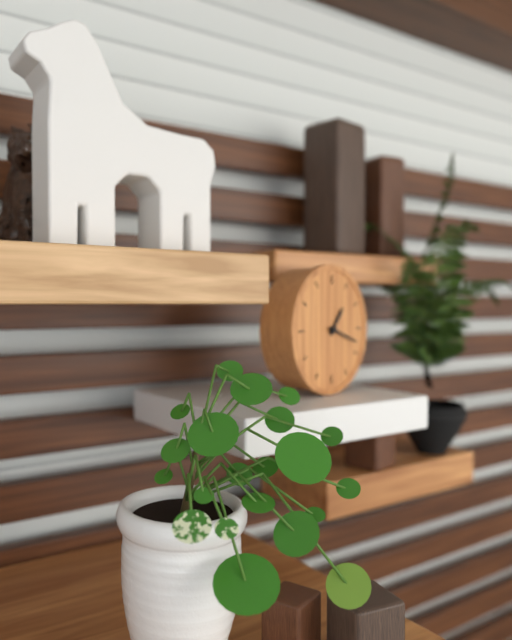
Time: {"hour": 1, "minute": 18}
